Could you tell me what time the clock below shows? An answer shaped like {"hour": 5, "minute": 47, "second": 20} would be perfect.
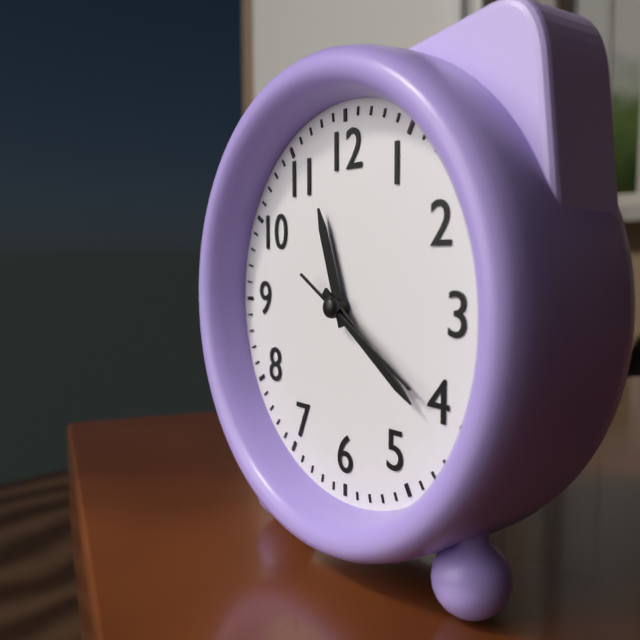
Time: {"hour": 11, "minute": 21, "second": 20}
